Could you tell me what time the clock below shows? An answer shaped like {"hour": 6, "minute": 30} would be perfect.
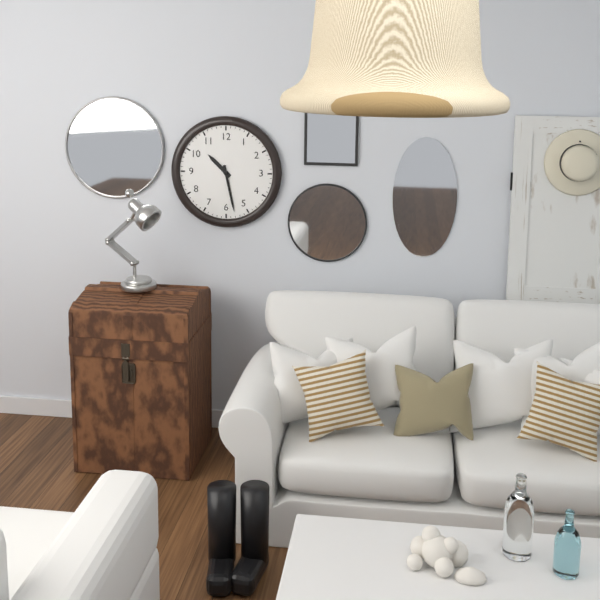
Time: {"hour": 10, "minute": 28}
